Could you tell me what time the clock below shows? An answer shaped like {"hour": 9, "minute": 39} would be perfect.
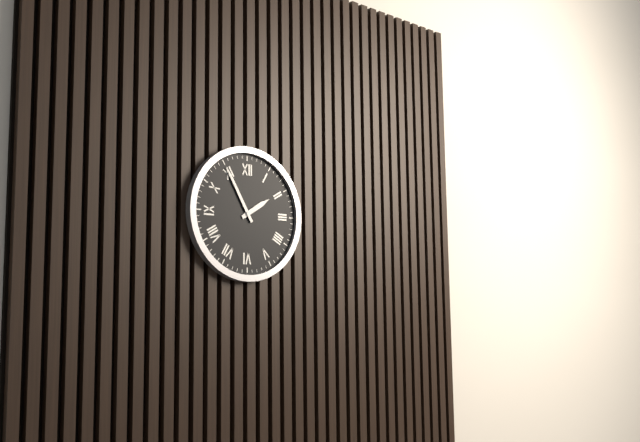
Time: {"hour": 1, "minute": 55}
